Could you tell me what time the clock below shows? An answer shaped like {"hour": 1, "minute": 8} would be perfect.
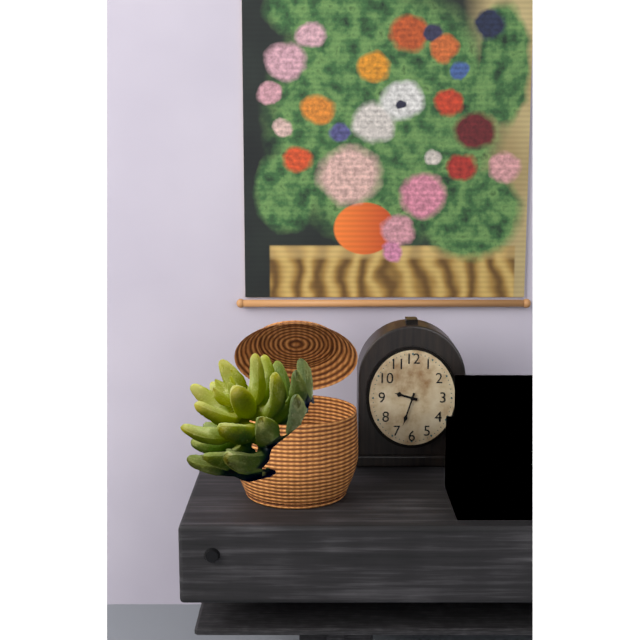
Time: {"hour": 9, "minute": 33}
